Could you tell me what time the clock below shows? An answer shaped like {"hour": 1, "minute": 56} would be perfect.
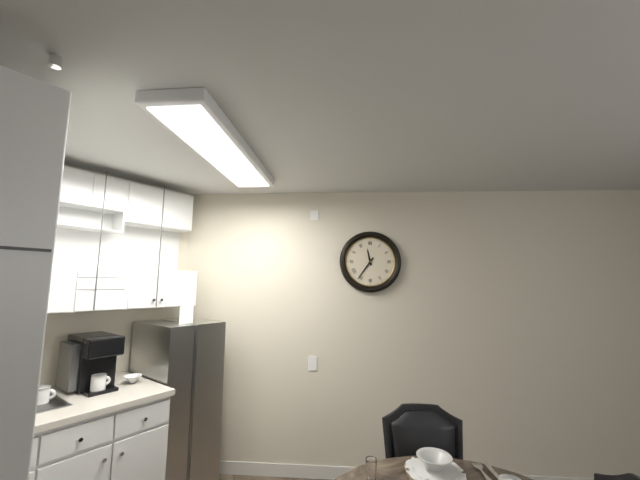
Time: {"hour": 11, "minute": 36}
